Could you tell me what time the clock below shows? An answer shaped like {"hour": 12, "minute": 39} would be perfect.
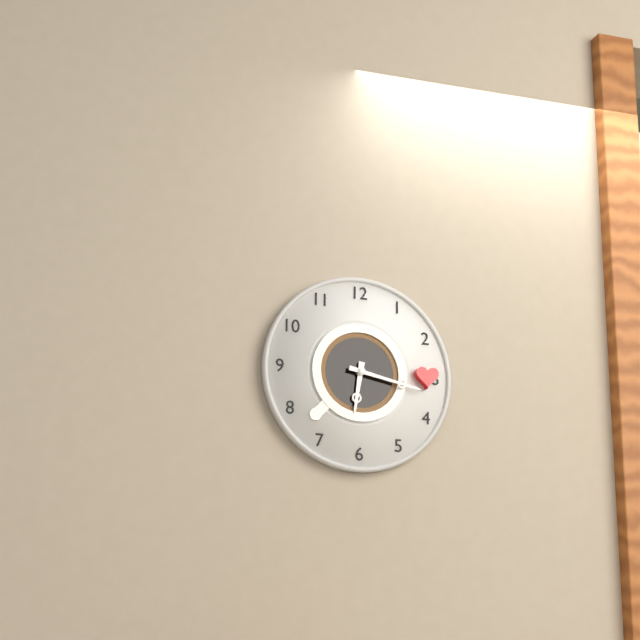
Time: {"hour": 6, "minute": 17}
